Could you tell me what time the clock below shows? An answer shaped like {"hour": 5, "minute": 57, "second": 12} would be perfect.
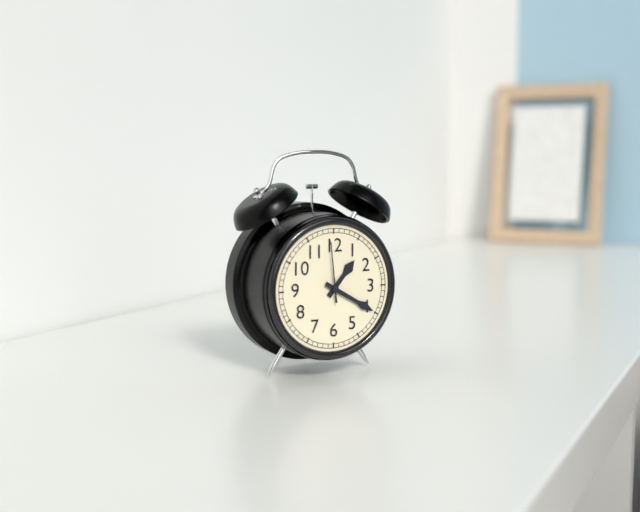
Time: {"hour": 1, "minute": 20, "second": 59}
